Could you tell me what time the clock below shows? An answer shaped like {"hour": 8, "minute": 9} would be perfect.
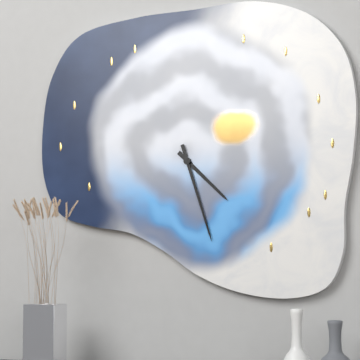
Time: {"hour": 4, "minute": 27}
